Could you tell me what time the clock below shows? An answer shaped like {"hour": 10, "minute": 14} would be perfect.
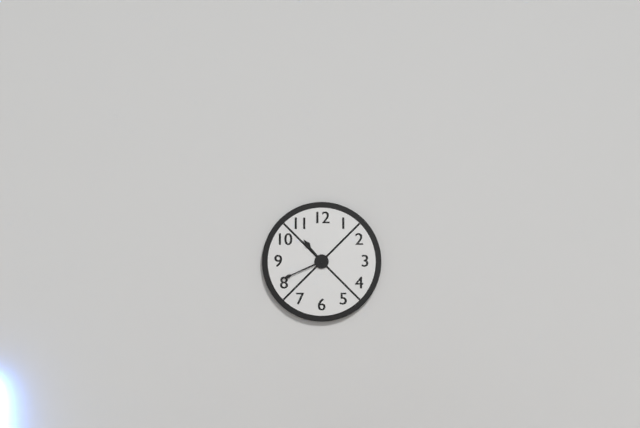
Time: {"hour": 10, "minute": 41}
